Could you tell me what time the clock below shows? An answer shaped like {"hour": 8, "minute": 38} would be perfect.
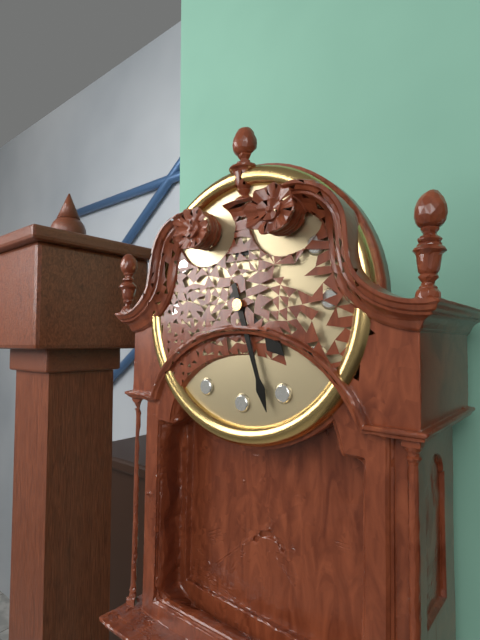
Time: {"hour": 4, "minute": 27}
